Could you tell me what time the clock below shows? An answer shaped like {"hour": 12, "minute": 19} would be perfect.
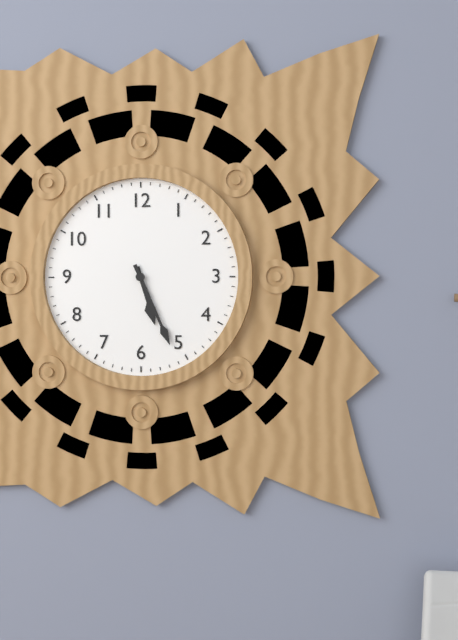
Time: {"hour": 5, "minute": 26}
